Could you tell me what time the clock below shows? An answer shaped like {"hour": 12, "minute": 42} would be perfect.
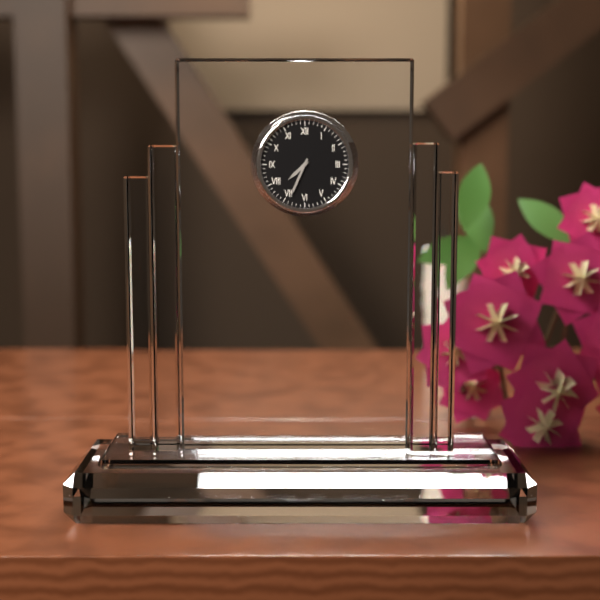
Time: {"hour": 7, "minute": 34}
